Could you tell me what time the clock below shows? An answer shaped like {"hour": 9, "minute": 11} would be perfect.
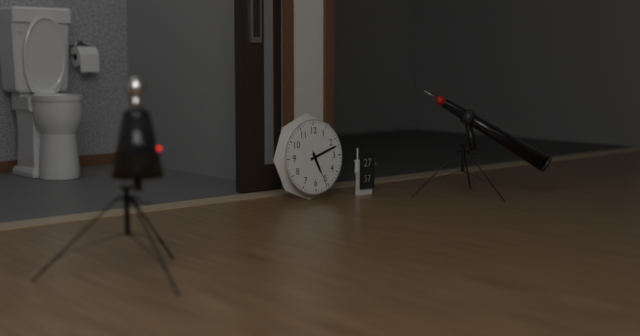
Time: {"hour": 5, "minute": 12}
